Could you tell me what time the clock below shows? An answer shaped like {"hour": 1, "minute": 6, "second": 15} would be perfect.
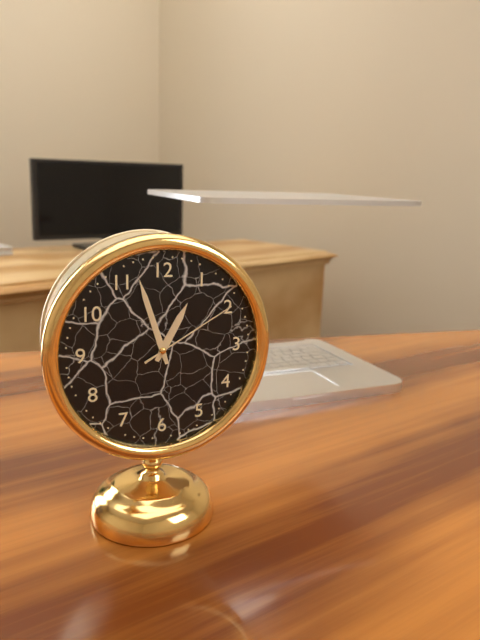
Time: {"hour": 12, "minute": 57, "second": 10}
